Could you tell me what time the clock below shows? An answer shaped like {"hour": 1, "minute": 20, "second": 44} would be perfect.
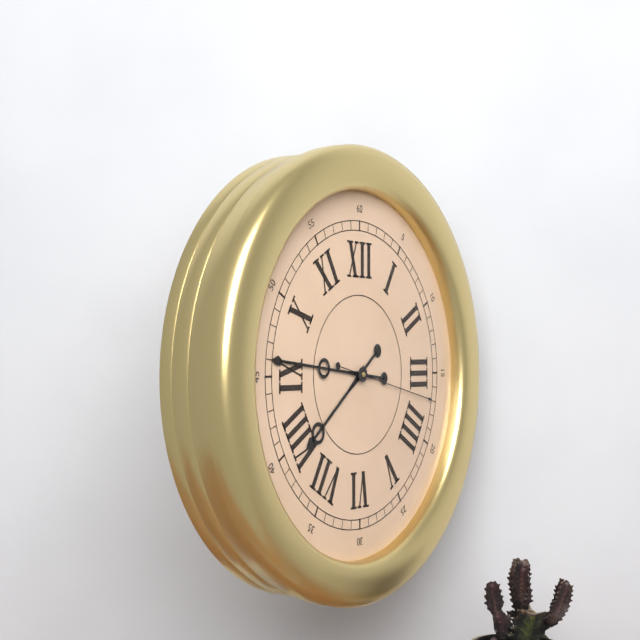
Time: {"hour": 7, "minute": 46, "second": 17}
